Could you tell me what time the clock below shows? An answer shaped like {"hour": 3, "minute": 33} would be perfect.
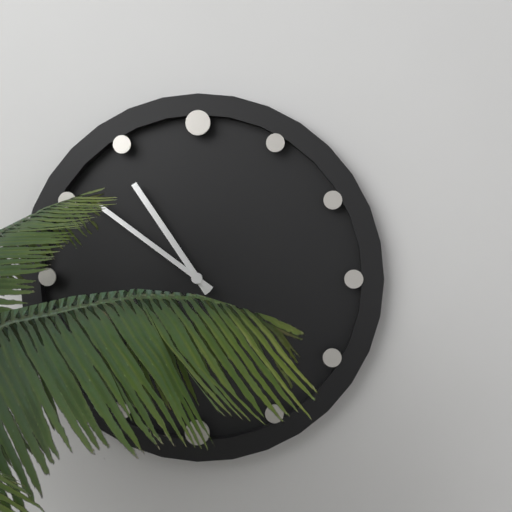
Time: {"hour": 10, "minute": 51}
